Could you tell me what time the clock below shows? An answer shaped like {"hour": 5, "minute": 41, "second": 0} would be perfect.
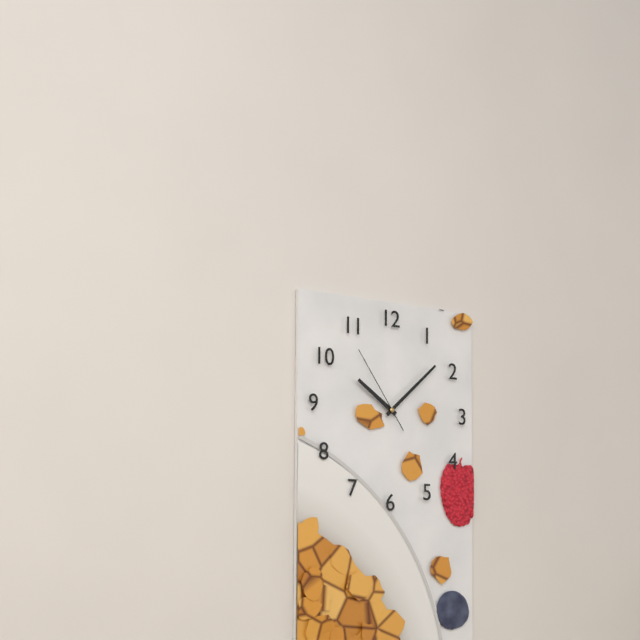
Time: {"hour": 10, "minute": 8, "second": 54}
